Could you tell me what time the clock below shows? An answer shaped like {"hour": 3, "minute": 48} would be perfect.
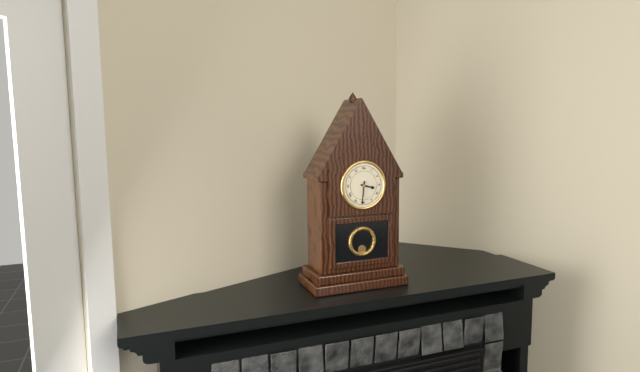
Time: {"hour": 3, "minute": 31}
